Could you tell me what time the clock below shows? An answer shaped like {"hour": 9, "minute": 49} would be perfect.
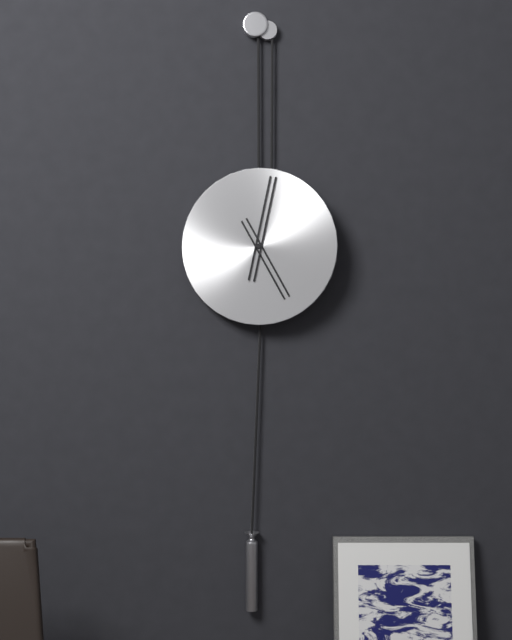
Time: {"hour": 5, "minute": 2}
